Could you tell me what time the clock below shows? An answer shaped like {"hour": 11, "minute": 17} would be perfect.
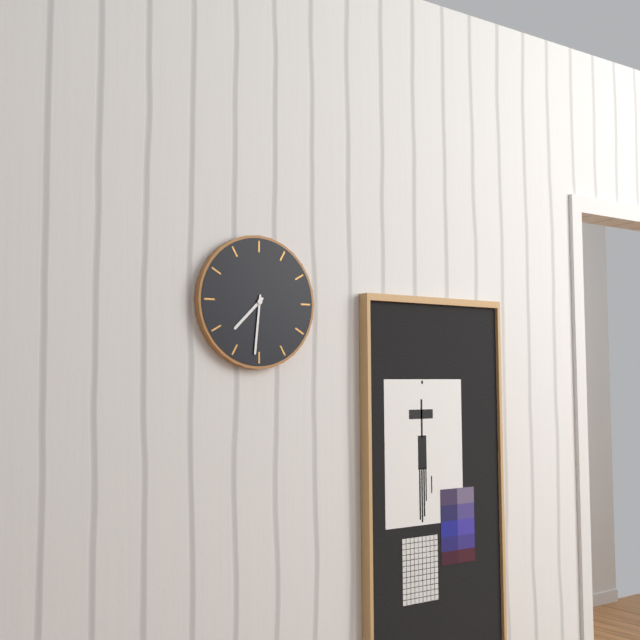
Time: {"hour": 7, "minute": 31}
